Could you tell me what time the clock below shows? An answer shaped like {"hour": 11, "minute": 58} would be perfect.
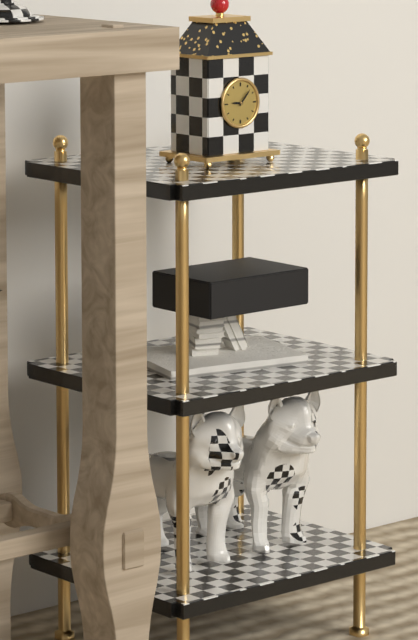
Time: {"hour": 9, "minute": 7}
